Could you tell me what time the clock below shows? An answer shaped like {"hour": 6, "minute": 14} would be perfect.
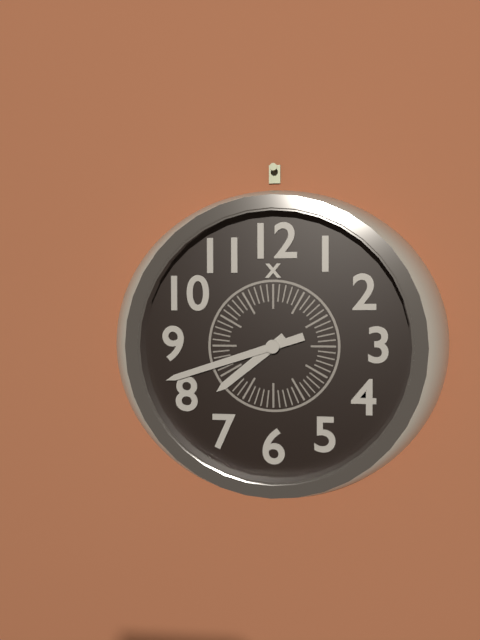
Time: {"hour": 7, "minute": 42}
